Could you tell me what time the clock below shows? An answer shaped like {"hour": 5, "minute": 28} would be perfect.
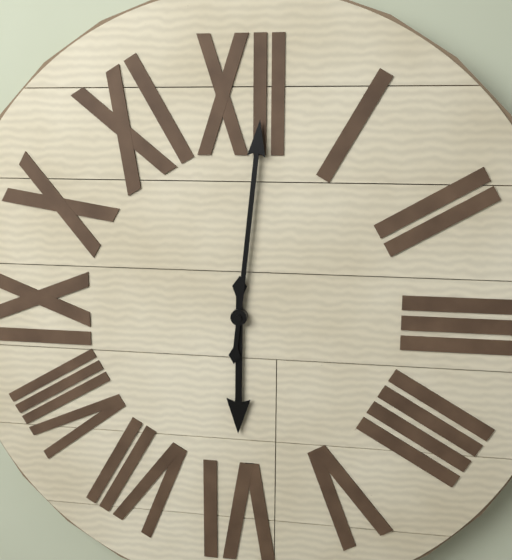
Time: {"hour": 6, "minute": 1}
